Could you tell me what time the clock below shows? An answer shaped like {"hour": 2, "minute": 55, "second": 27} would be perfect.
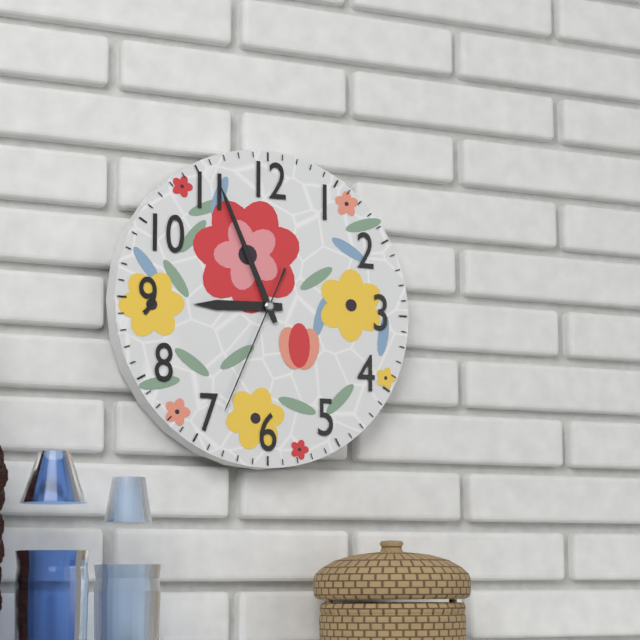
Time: {"hour": 8, "minute": 56, "second": 34}
